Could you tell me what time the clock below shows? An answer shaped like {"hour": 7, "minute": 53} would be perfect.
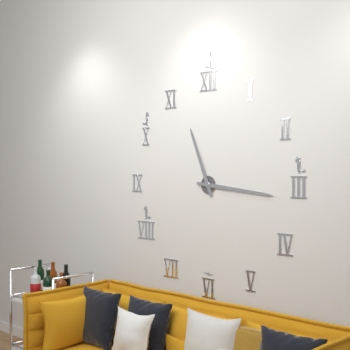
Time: {"hour": 11, "minute": 16}
